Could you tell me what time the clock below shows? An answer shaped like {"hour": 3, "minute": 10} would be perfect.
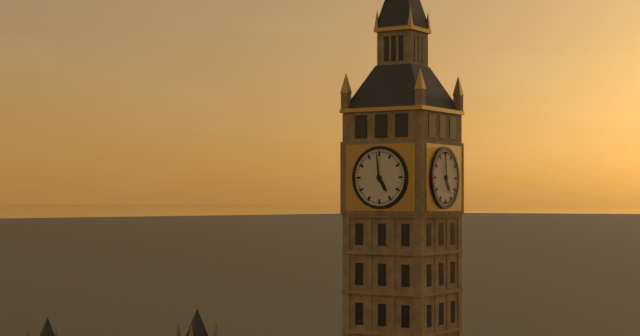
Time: {"hour": 4, "minute": 59}
